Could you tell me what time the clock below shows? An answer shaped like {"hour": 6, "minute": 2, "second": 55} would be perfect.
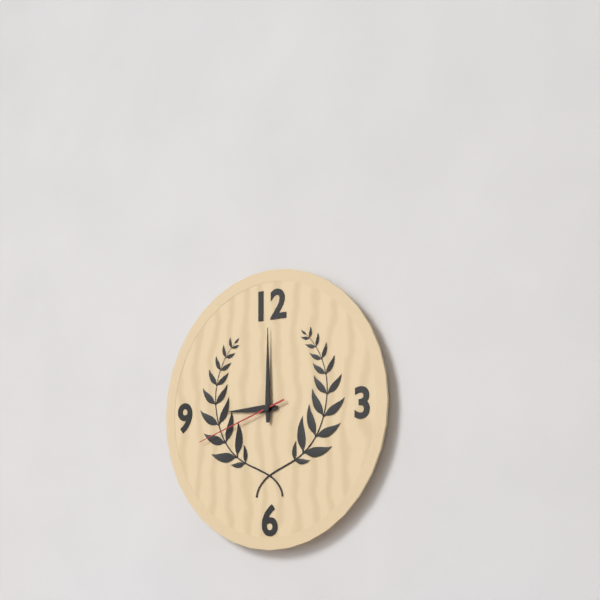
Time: {"hour": 9, "minute": 0, "second": 42}
